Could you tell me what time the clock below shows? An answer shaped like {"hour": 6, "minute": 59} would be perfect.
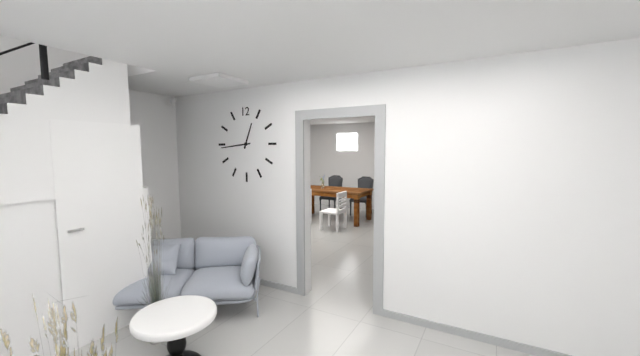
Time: {"hour": 12, "minute": 44}
